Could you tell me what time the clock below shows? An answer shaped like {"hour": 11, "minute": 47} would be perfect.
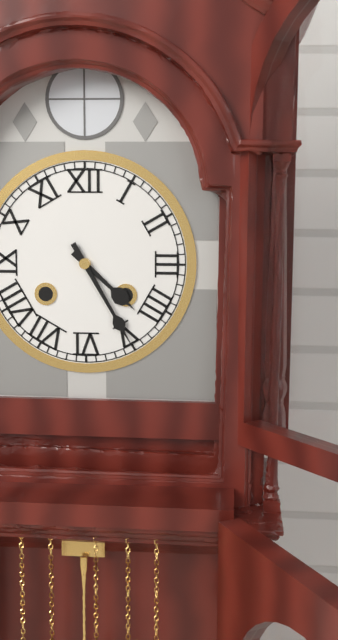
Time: {"hour": 4, "minute": 25}
